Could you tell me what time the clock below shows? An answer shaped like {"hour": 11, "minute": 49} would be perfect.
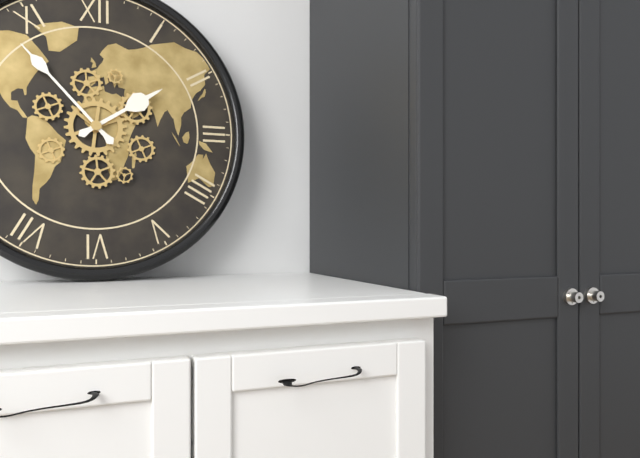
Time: {"hour": 1, "minute": 53}
